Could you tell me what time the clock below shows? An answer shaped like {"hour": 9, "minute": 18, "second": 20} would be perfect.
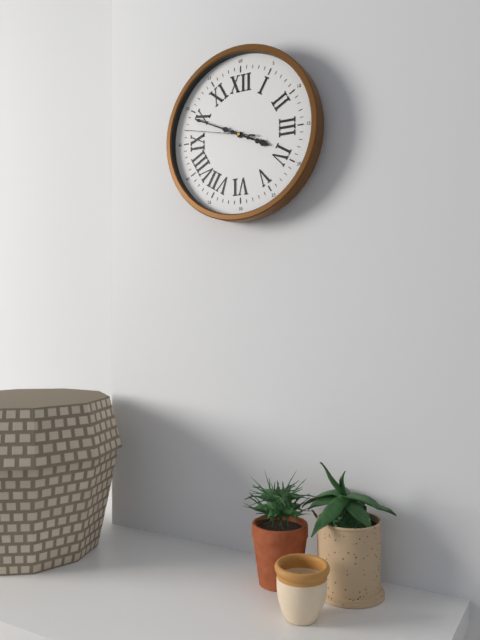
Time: {"hour": 3, "minute": 49, "second": 47}
